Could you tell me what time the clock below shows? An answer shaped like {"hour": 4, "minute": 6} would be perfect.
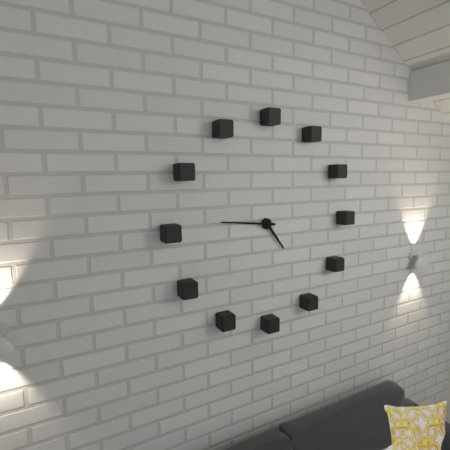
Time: {"hour": 4, "minute": 46}
